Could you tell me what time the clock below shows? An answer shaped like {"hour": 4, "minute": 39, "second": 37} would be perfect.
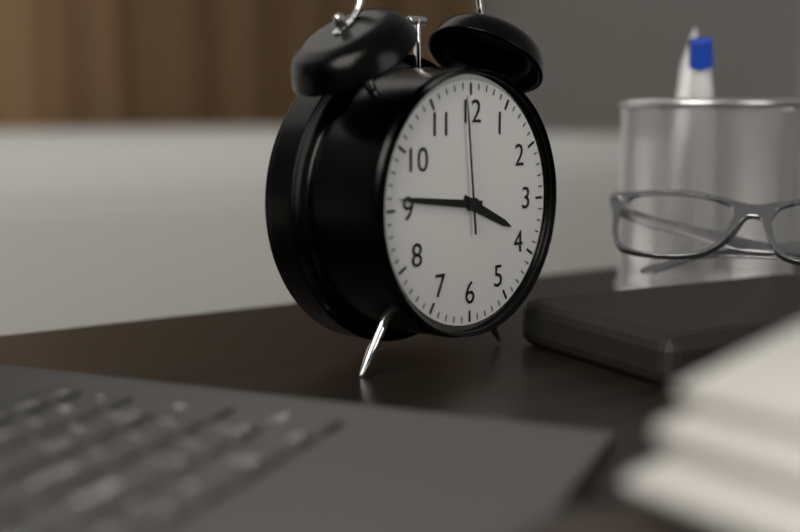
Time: {"hour": 3, "minute": 46, "second": 59}
